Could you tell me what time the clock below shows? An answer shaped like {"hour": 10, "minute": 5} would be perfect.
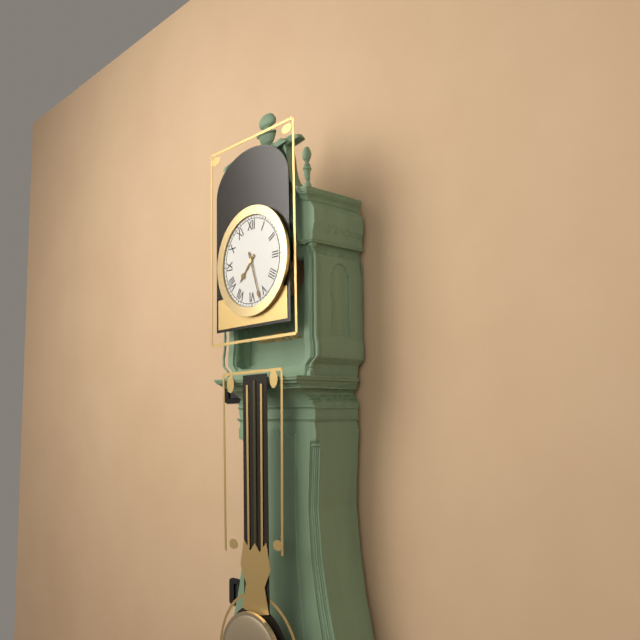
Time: {"hour": 7, "minute": 27}
